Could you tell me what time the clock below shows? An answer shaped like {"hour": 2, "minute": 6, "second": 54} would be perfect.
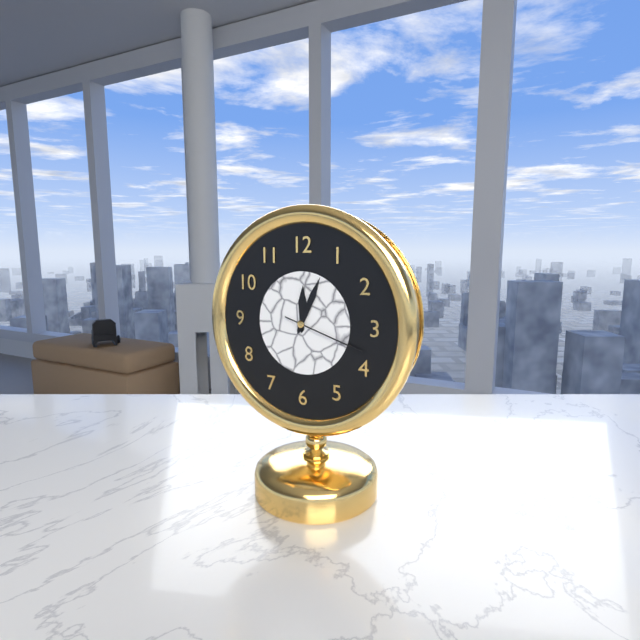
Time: {"hour": 12, "minute": 4, "second": 18}
